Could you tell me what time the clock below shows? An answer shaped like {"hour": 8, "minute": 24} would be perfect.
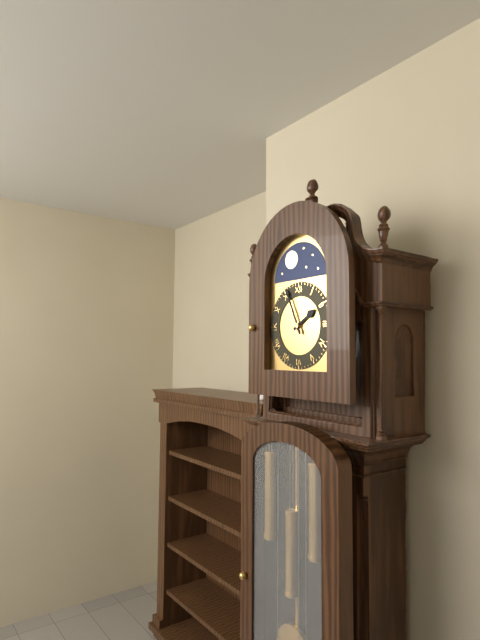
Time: {"hour": 1, "minute": 56}
